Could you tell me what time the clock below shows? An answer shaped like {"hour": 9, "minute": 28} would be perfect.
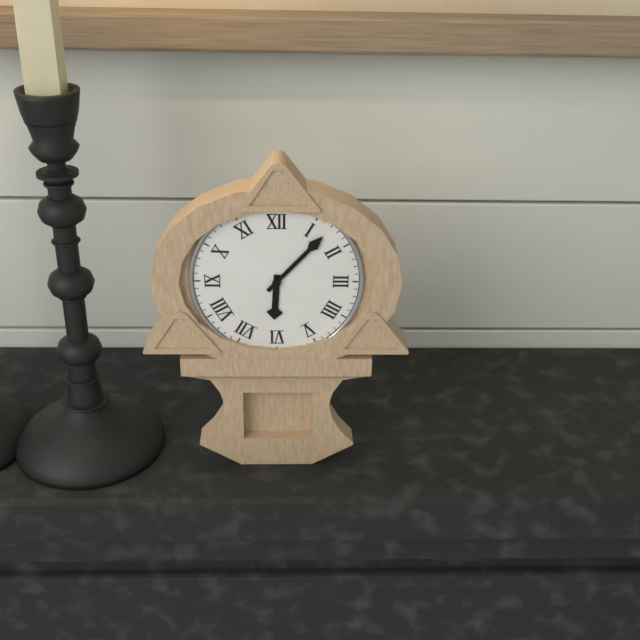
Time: {"hour": 6, "minute": 7}
